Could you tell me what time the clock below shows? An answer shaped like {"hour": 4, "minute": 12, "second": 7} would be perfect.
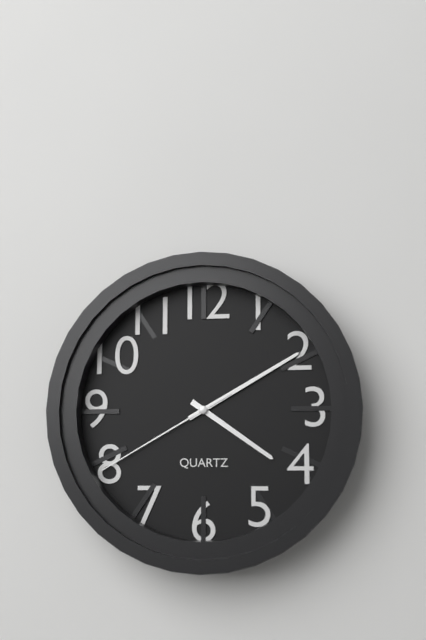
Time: {"hour": 4, "minute": 10, "second": 40}
